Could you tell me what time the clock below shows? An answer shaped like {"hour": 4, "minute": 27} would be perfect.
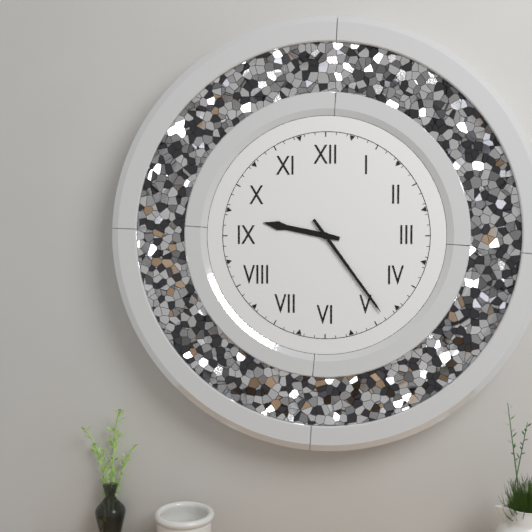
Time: {"hour": 9, "minute": 24}
